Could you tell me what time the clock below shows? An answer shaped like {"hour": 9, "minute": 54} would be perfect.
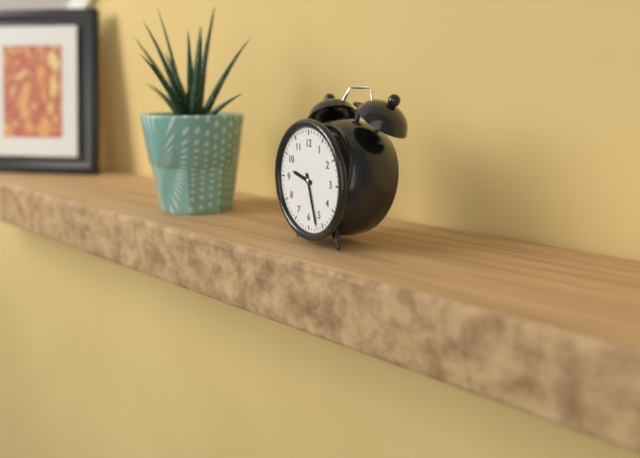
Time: {"hour": 9, "minute": 27}
